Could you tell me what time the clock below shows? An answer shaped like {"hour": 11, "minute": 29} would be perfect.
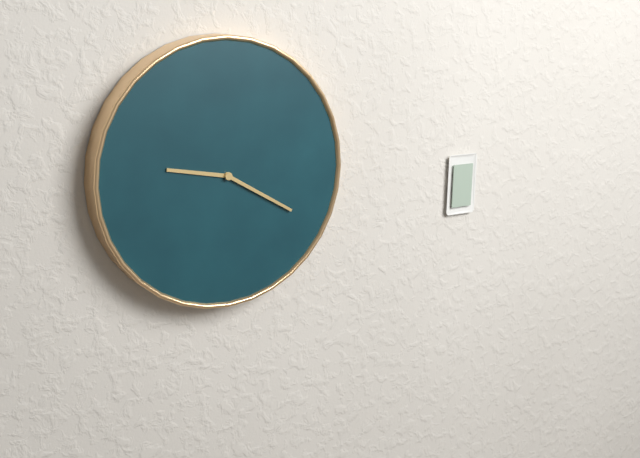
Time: {"hour": 9, "minute": 20}
